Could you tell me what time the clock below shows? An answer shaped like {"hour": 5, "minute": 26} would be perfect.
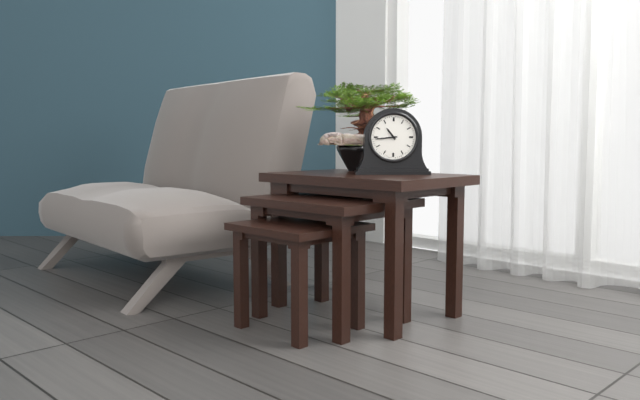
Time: {"hour": 10, "minute": 44}
